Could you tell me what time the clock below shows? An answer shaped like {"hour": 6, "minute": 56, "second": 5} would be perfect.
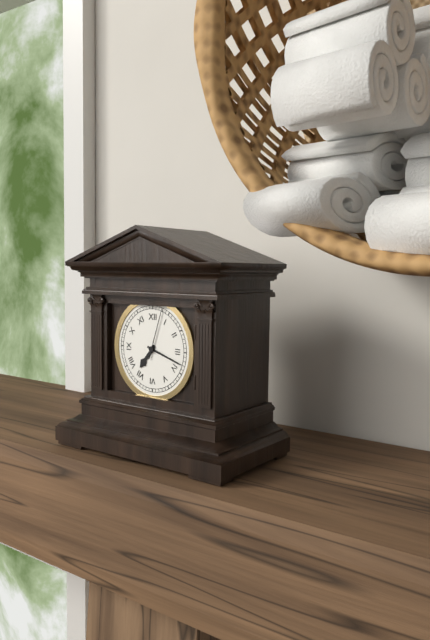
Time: {"hour": 7, "minute": 18, "second": 3}
